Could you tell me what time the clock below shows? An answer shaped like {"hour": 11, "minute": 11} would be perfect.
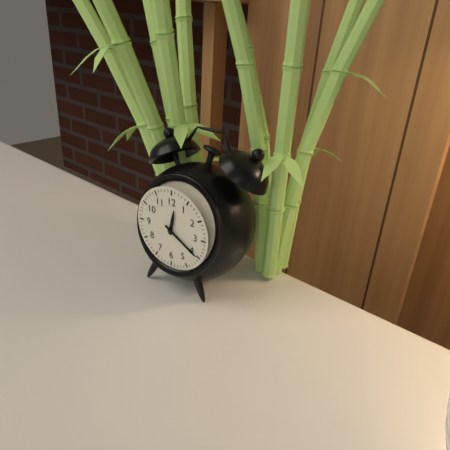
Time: {"hour": 12, "minute": 20}
